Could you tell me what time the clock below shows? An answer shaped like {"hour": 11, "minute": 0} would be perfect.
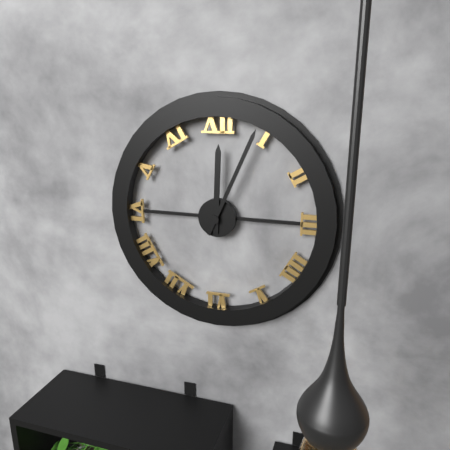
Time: {"hour": 12, "minute": 4}
